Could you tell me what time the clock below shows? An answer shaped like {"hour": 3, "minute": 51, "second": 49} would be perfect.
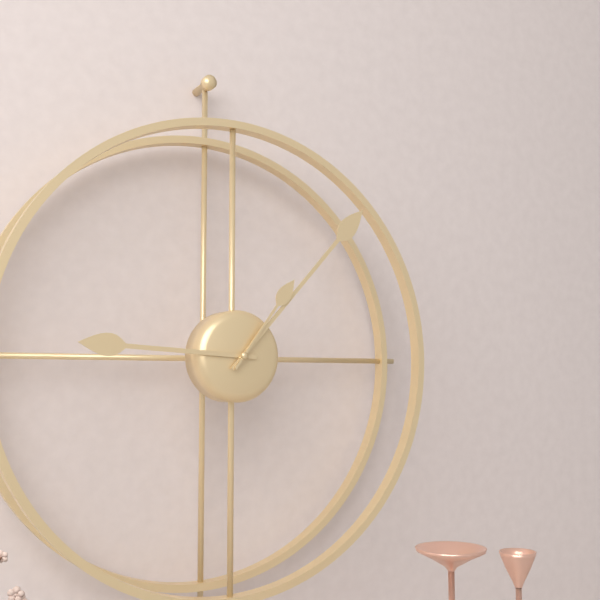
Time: {"hour": 9, "minute": 7, "second": 6}
